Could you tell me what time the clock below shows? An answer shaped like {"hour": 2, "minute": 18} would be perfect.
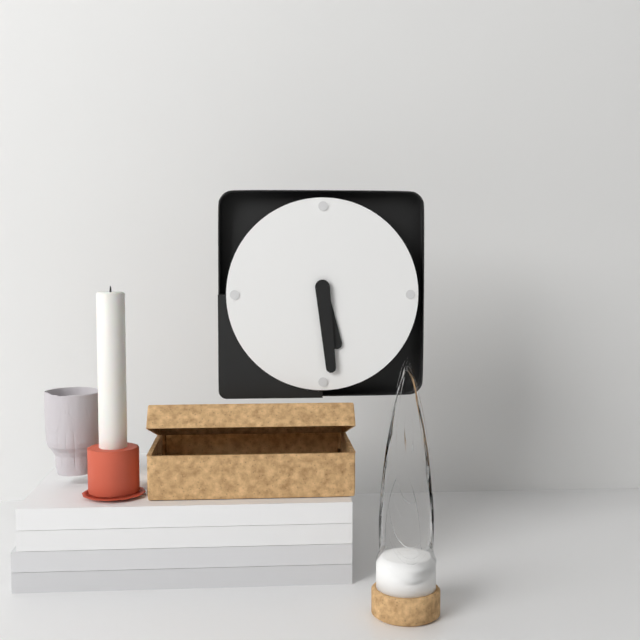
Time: {"hour": 5, "minute": 29}
